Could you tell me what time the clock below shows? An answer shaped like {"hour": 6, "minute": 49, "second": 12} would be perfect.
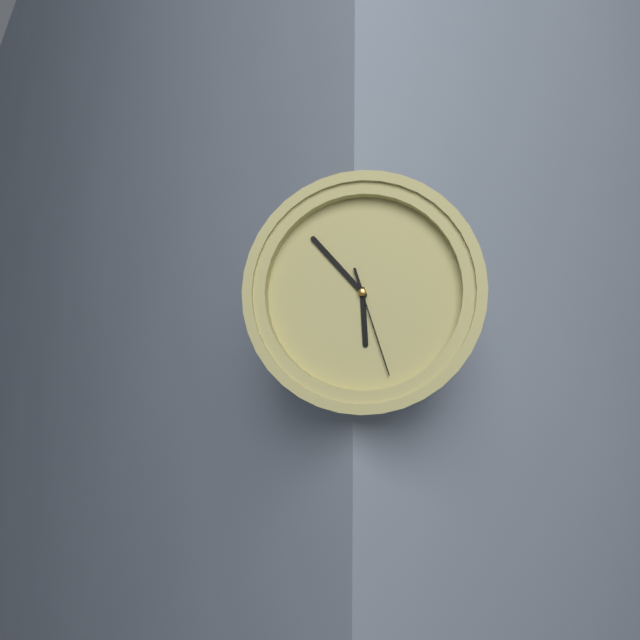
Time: {"hour": 5, "minute": 53, "second": 27}
